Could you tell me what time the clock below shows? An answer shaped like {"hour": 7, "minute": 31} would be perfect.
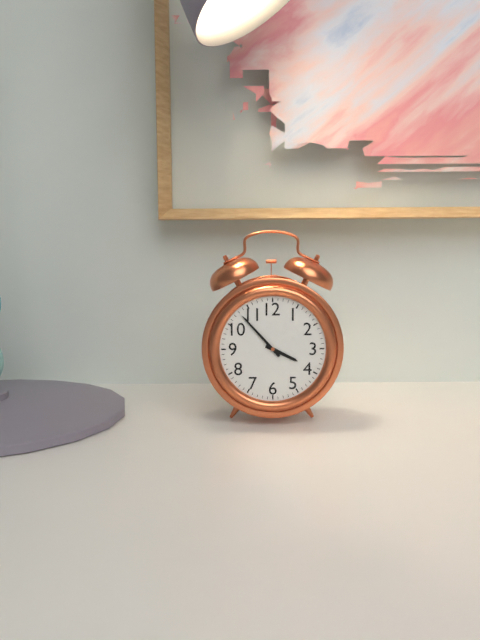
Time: {"hour": 3, "minute": 53}
